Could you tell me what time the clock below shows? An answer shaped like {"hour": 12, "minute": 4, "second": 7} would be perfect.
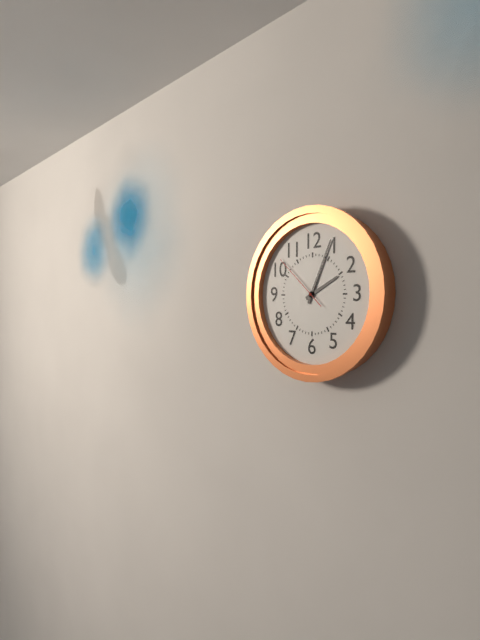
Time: {"hour": 2, "minute": 4, "second": 52}
